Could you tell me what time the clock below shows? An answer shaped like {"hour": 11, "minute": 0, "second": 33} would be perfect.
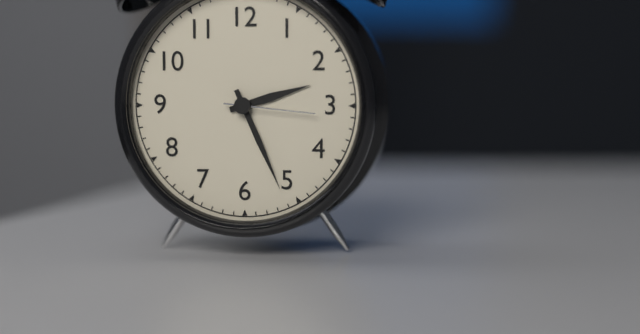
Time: {"hour": 2, "minute": 26, "second": 16}
